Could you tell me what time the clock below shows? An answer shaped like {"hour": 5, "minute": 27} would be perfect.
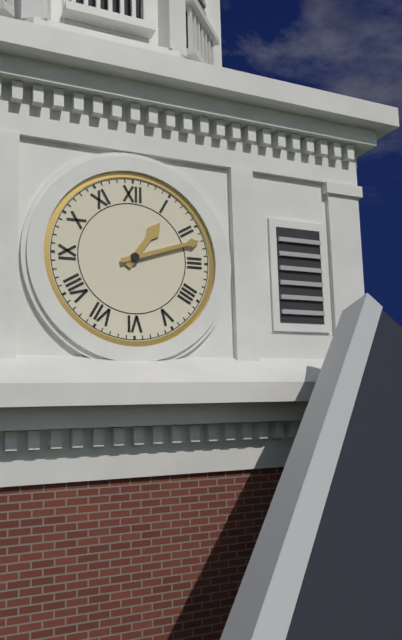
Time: {"hour": 1, "minute": 12}
